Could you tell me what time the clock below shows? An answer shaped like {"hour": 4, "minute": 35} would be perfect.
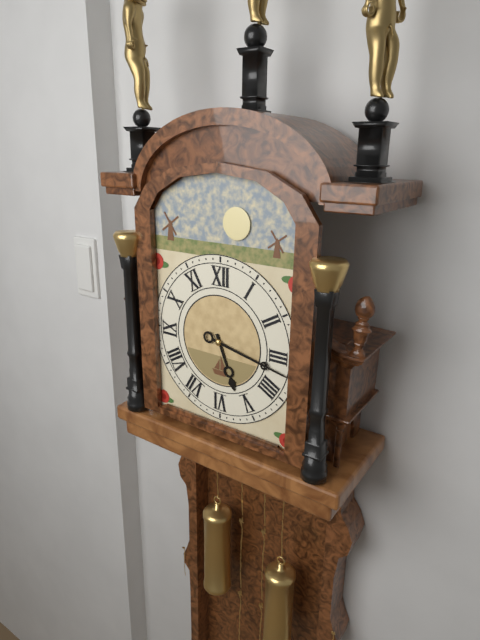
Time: {"hour": 5, "minute": 17}
